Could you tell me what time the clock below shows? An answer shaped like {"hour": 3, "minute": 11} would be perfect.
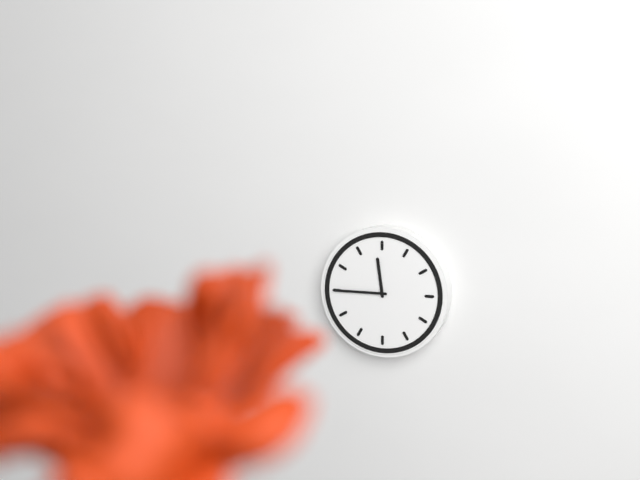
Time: {"hour": 11, "minute": 45}
